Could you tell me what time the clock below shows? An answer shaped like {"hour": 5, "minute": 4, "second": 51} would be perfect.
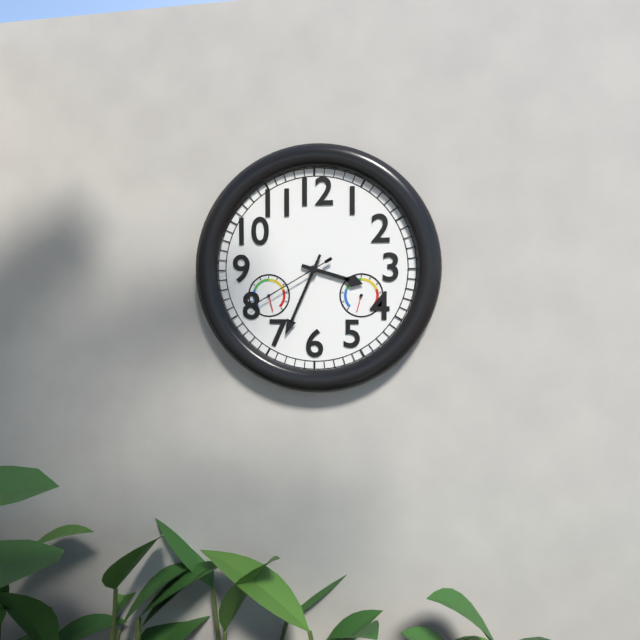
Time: {"hour": 3, "minute": 34, "second": 40}
